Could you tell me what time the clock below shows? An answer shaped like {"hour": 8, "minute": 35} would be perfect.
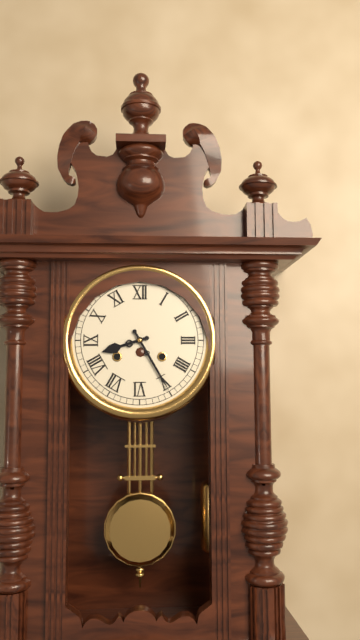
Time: {"hour": 8, "minute": 25}
